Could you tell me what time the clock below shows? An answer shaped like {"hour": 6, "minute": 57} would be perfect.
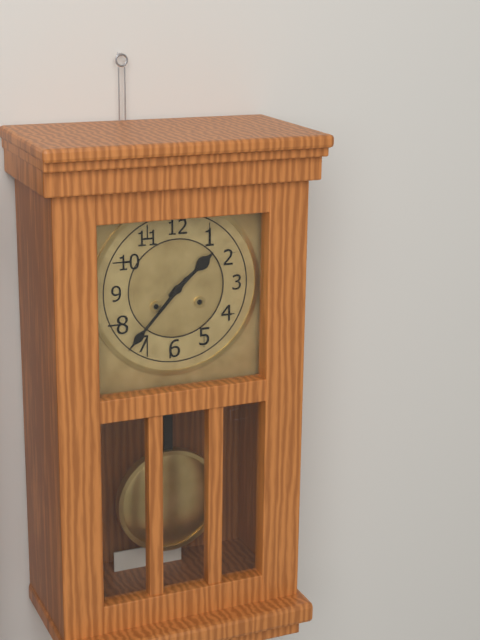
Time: {"hour": 1, "minute": 37}
